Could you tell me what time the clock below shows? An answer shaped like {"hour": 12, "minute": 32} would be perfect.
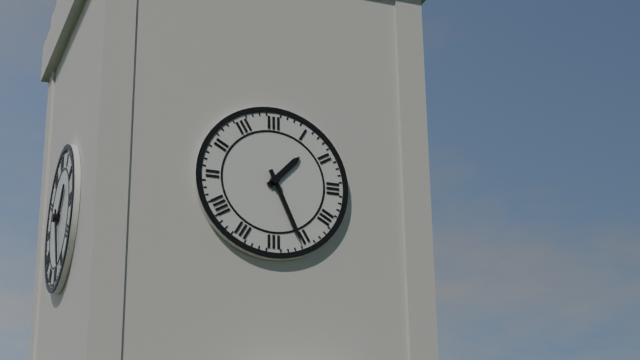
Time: {"hour": 1, "minute": 26}
